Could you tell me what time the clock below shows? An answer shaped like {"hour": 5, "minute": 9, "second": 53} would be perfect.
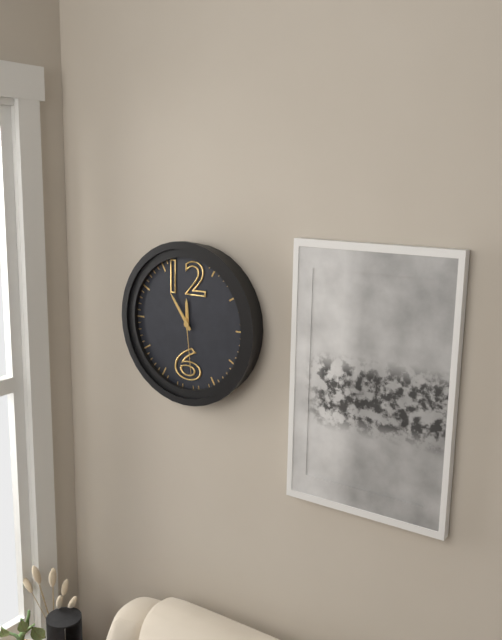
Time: {"hour": 11, "minute": 54, "second": 29}
